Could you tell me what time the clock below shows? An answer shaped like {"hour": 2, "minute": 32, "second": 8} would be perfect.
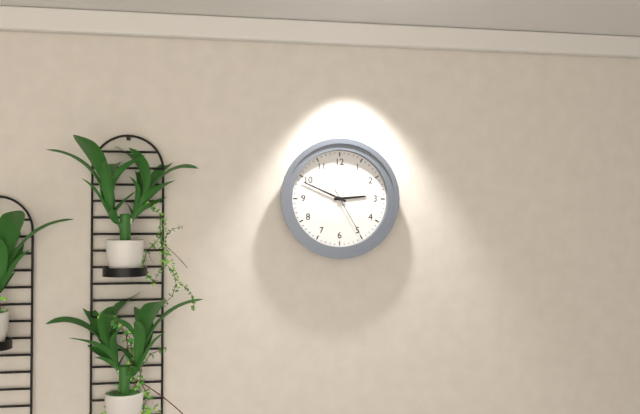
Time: {"hour": 2, "minute": 49, "second": 25}
